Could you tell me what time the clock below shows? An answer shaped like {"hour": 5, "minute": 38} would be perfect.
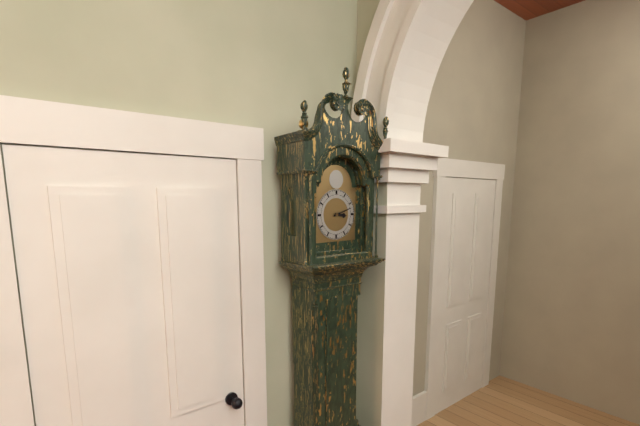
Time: {"hour": 3, "minute": 12}
